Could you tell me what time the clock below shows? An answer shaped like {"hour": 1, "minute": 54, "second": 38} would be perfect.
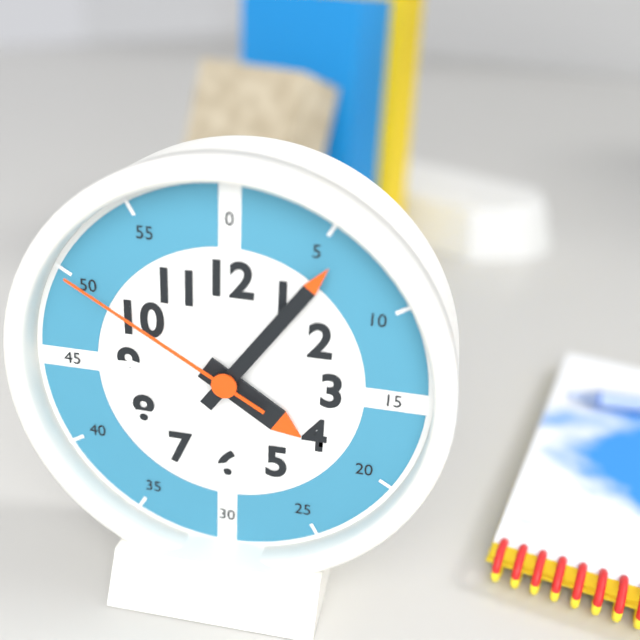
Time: {"hour": 4, "minute": 6, "second": 50}
